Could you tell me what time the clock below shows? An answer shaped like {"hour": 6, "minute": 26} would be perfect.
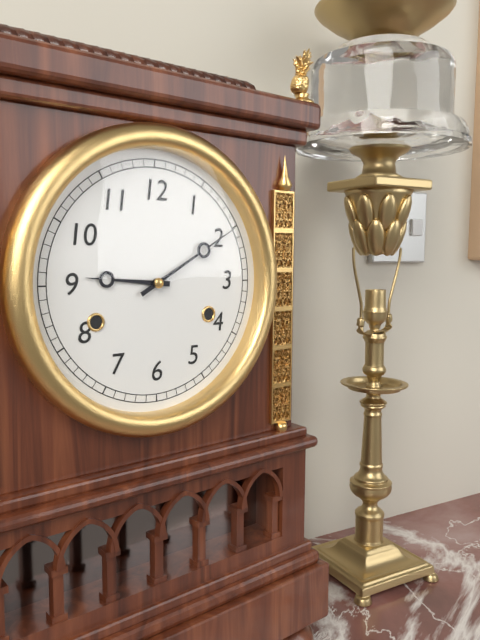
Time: {"hour": 9, "minute": 10}
